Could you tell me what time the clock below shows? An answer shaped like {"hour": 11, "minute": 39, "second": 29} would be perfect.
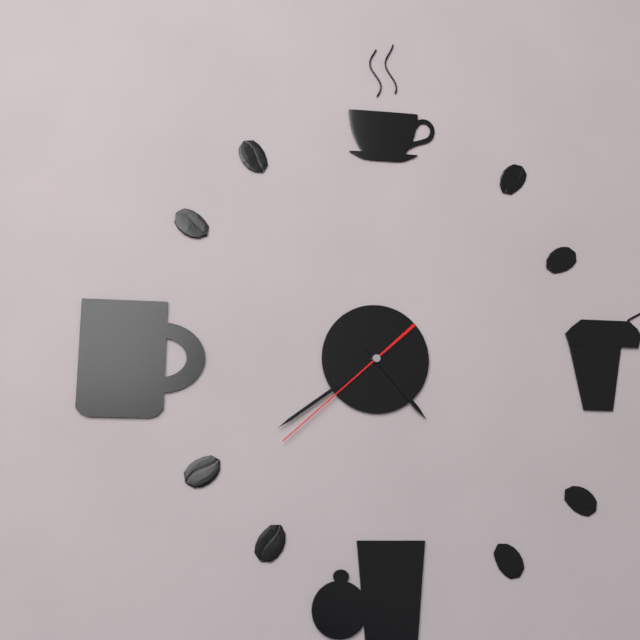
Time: {"hour": 4, "minute": 39, "second": 38}
